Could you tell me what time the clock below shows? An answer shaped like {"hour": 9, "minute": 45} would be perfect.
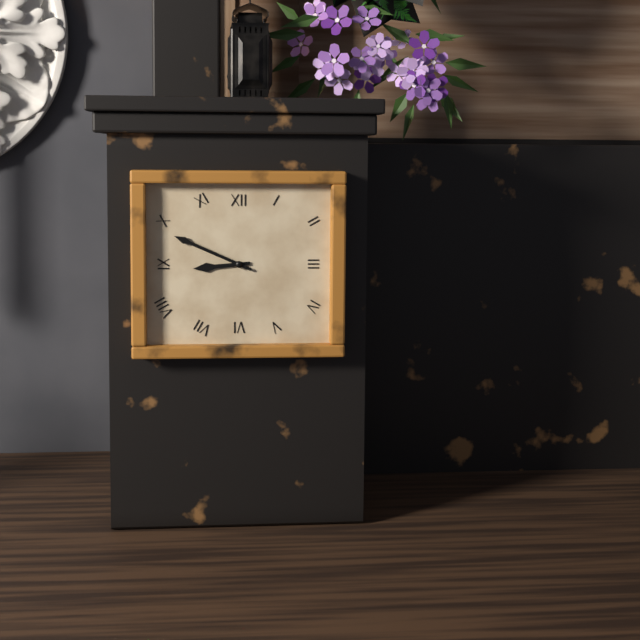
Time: {"hour": 8, "minute": 49}
